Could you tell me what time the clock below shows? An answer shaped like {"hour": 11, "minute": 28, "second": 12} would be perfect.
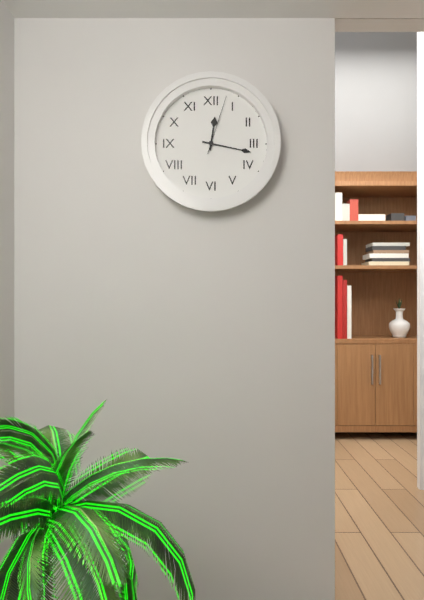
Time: {"hour": 12, "minute": 17, "second": 3}
